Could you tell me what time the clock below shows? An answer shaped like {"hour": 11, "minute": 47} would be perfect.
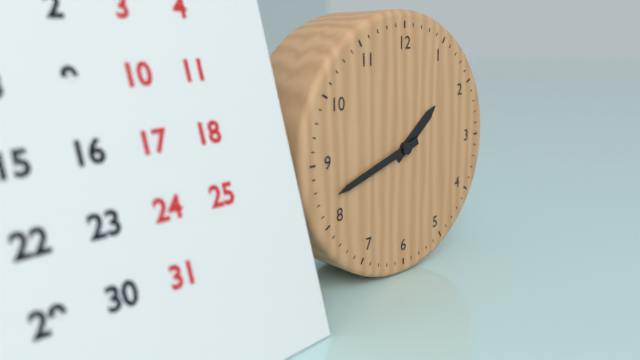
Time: {"hour": 1, "minute": 42}
